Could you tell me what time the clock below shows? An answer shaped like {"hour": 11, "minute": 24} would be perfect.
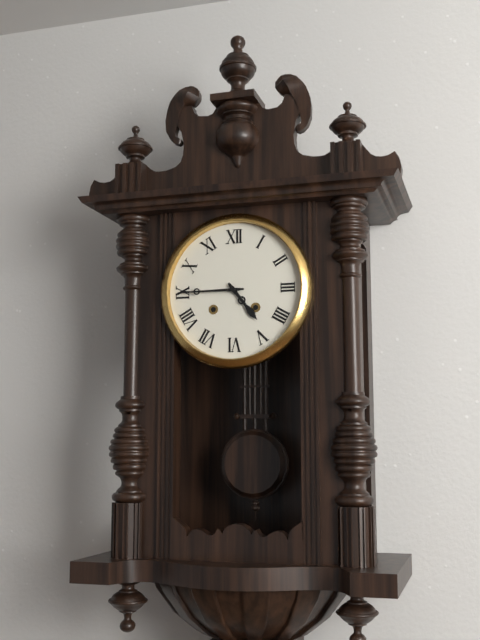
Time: {"hour": 4, "minute": 45}
